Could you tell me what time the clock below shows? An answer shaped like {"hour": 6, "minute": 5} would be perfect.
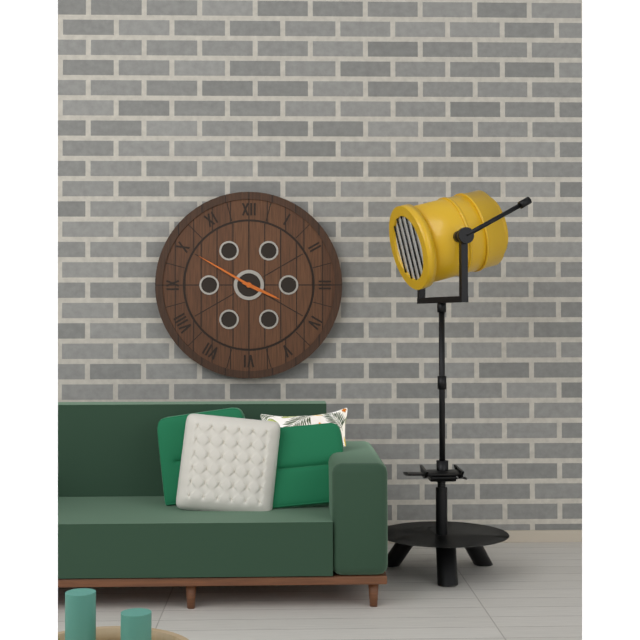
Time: {"hour": 3, "minute": 50}
